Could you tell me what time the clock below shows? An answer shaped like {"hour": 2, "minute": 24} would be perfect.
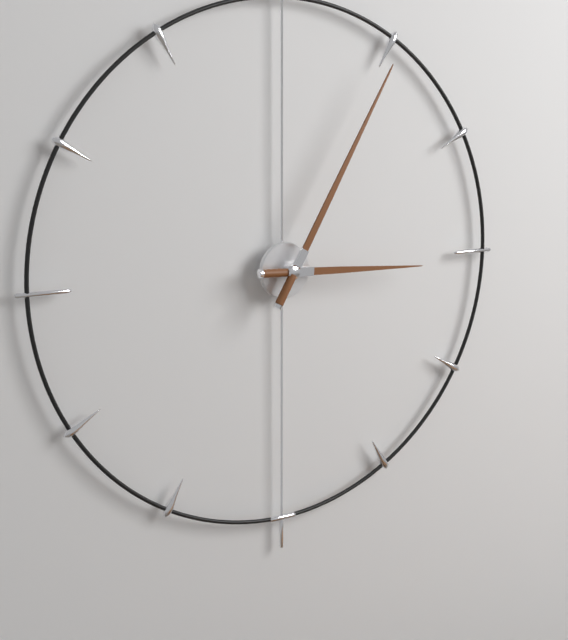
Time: {"hour": 3, "minute": 5}
